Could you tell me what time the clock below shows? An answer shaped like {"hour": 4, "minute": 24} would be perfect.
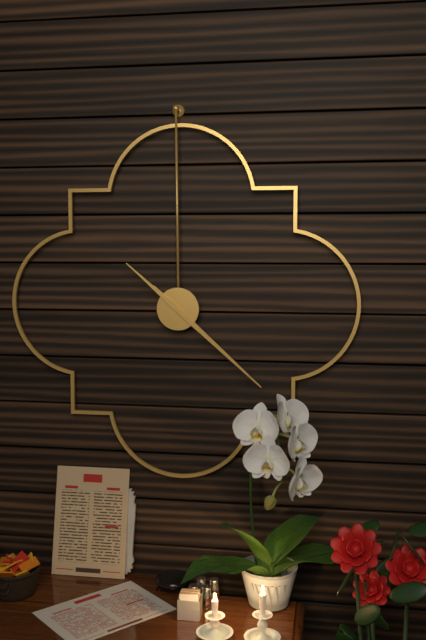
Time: {"hour": 10, "minute": 22}
